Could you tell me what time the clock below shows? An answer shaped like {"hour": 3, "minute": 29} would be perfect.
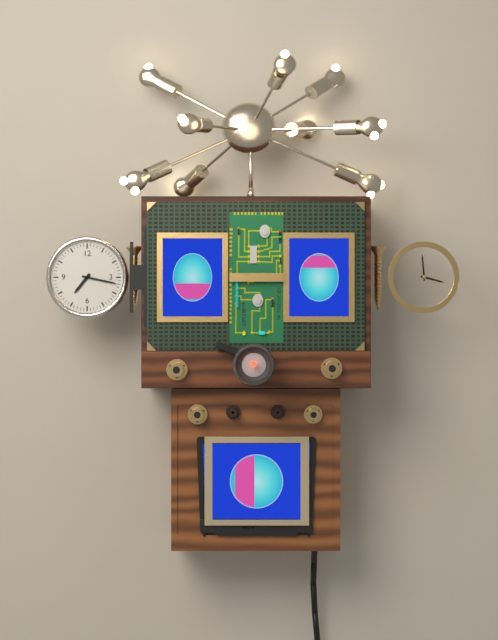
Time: {"hour": 7, "minute": 17}
